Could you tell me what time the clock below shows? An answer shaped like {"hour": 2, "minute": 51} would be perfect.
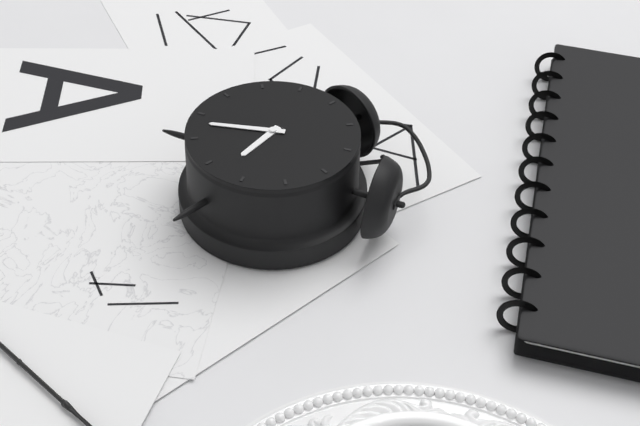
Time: {"hour": 4, "minute": 33}
